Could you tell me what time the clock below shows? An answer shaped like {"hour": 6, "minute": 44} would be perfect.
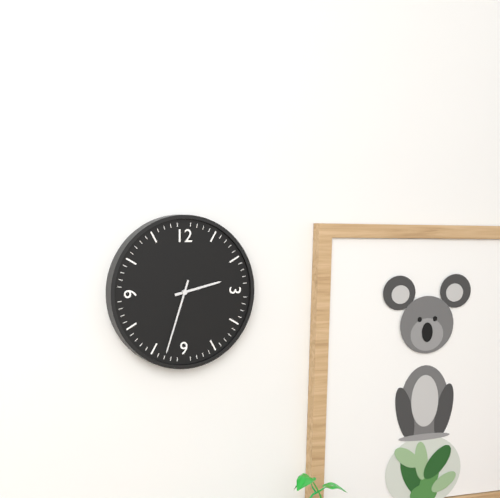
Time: {"hour": 2, "minute": 33}
